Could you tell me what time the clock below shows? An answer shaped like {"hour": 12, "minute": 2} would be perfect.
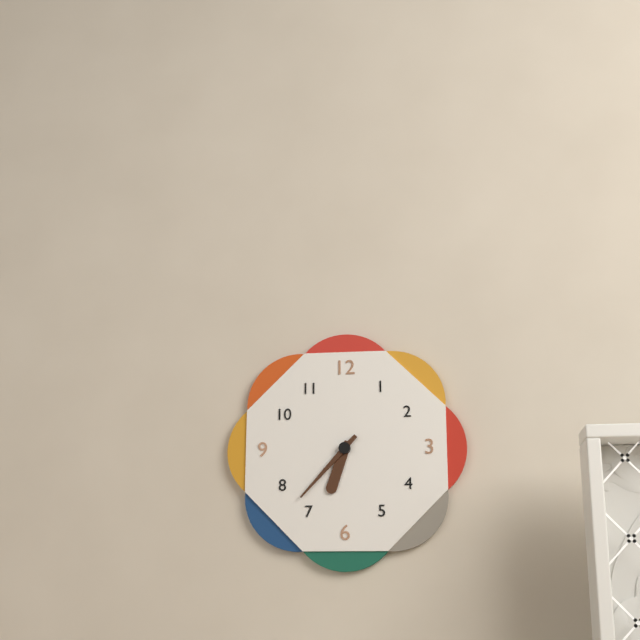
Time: {"hour": 6, "minute": 37}
